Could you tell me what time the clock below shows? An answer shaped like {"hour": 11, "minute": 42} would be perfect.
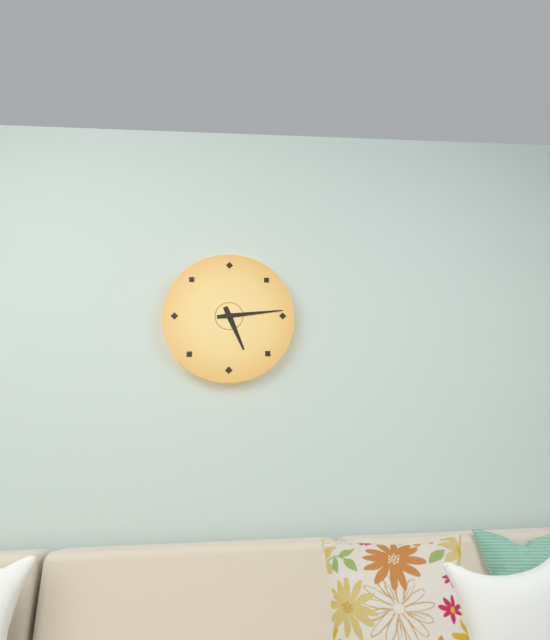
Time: {"hour": 5, "minute": 14}
